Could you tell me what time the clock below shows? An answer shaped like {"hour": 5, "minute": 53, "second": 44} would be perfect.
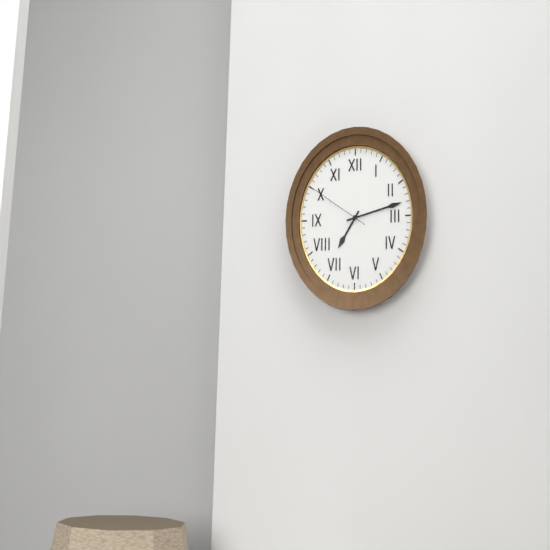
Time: {"hour": 7, "minute": 13, "second": 50}
